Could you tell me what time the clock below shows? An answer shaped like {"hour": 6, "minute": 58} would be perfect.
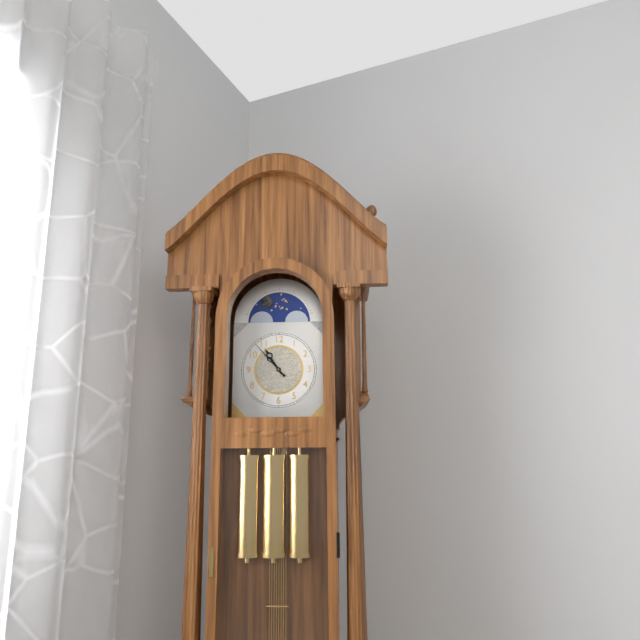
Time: {"hour": 10, "minute": 53}
